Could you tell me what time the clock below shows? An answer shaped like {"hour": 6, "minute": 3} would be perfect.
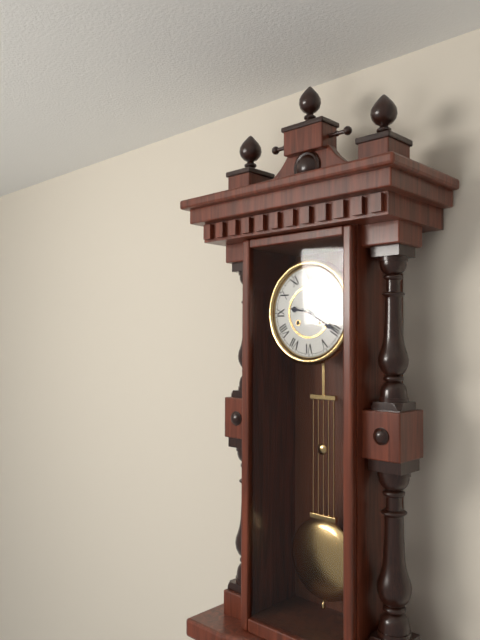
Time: {"hour": 9, "minute": 20}
